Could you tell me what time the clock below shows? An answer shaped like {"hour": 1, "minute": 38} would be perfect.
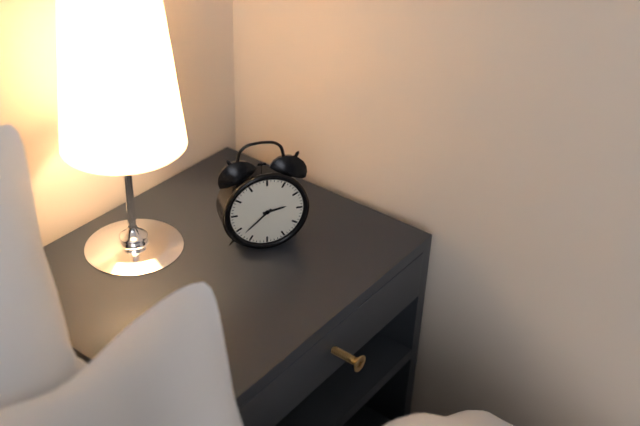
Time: {"hour": 2, "minute": 38}
